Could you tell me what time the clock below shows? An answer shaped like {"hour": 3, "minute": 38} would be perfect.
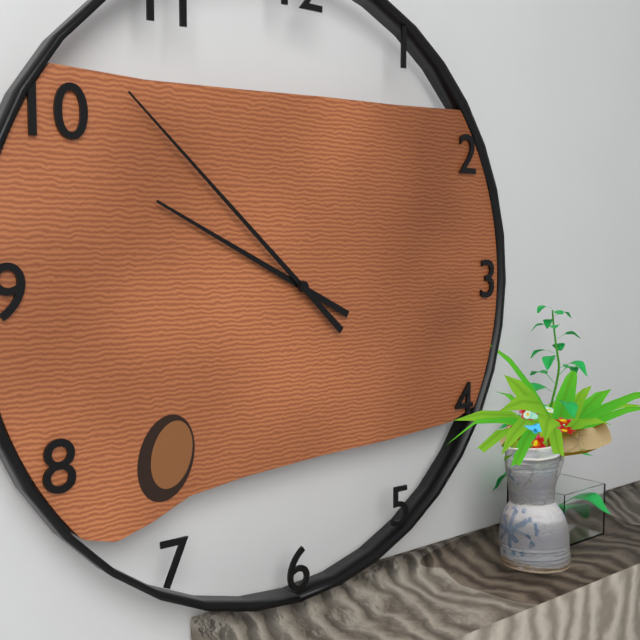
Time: {"hour": 9, "minute": 52}
